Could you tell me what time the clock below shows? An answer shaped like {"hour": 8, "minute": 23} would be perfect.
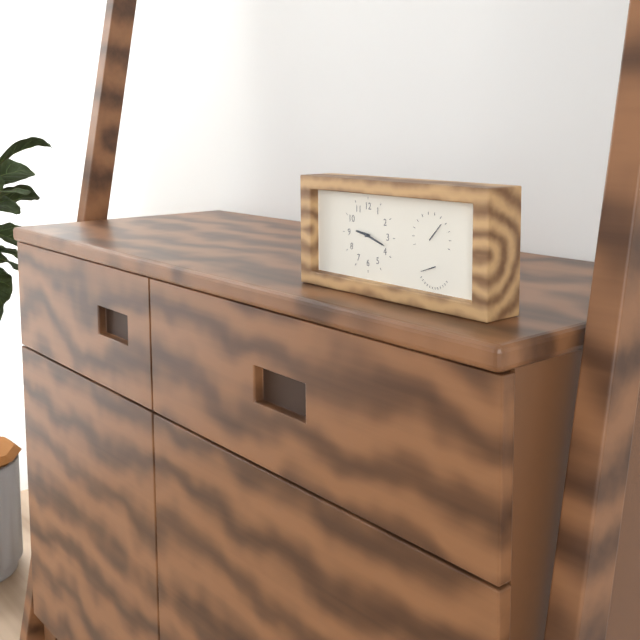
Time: {"hour": 9, "minute": 18}
